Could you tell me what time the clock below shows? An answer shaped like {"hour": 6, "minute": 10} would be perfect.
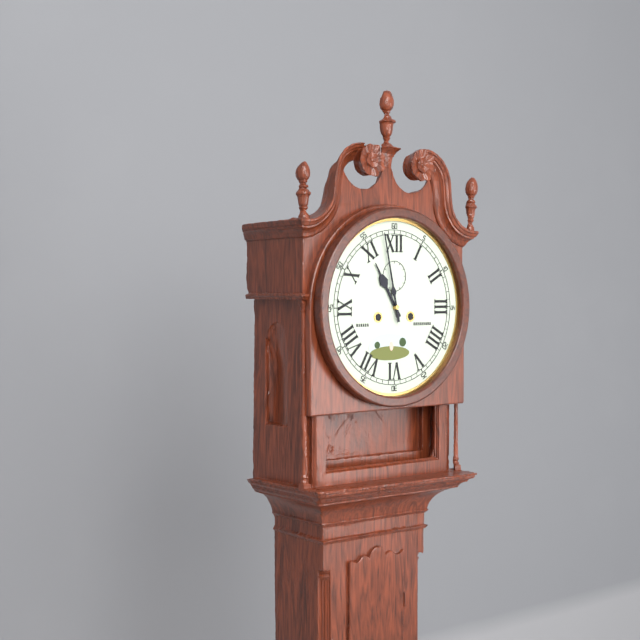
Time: {"hour": 10, "minute": 58}
